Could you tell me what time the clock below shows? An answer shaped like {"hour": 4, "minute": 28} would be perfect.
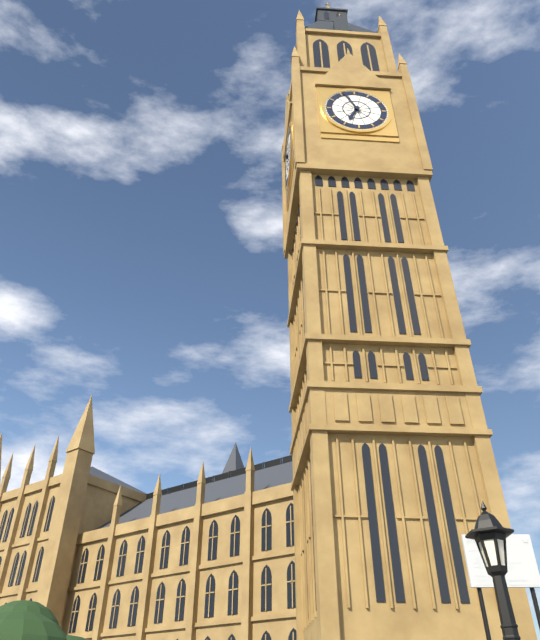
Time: {"hour": 6, "minute": 56}
